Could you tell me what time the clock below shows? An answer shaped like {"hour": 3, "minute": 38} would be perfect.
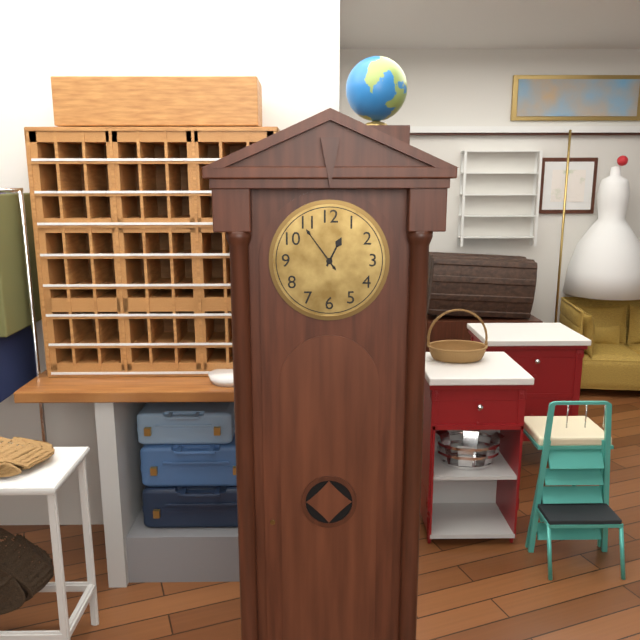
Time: {"hour": 12, "minute": 54}
